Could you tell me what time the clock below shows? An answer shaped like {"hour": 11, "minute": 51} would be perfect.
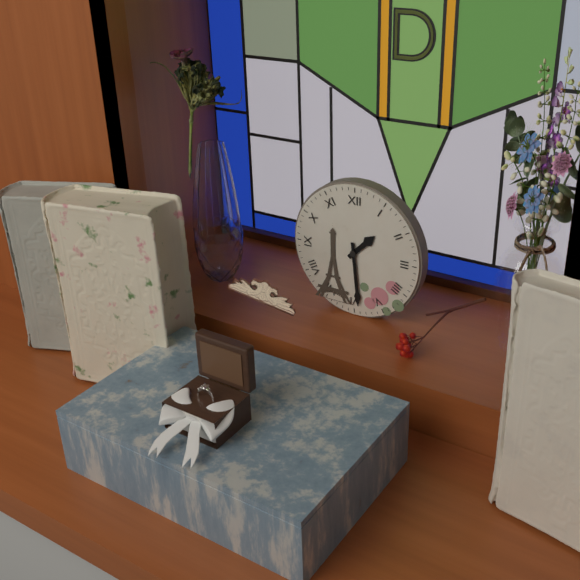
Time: {"hour": 1, "minute": 29}
